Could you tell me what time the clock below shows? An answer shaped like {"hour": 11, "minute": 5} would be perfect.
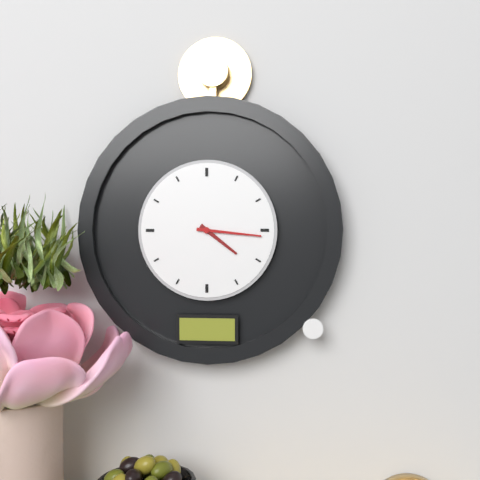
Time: {"hour": 4, "minute": 16}
